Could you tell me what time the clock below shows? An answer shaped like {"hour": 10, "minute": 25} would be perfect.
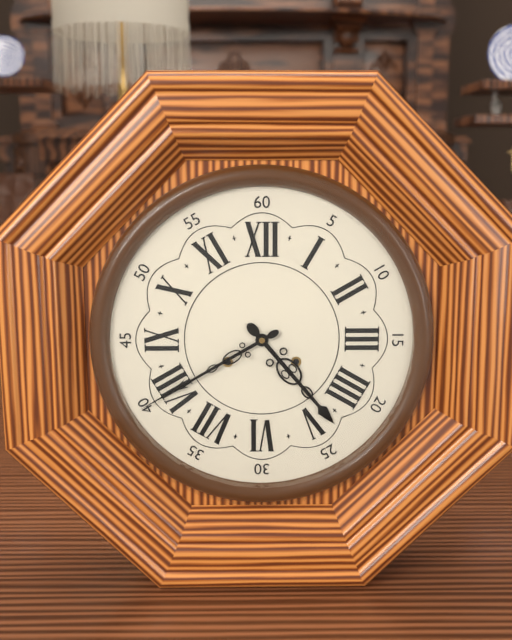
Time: {"hour": 4, "minute": 40}
